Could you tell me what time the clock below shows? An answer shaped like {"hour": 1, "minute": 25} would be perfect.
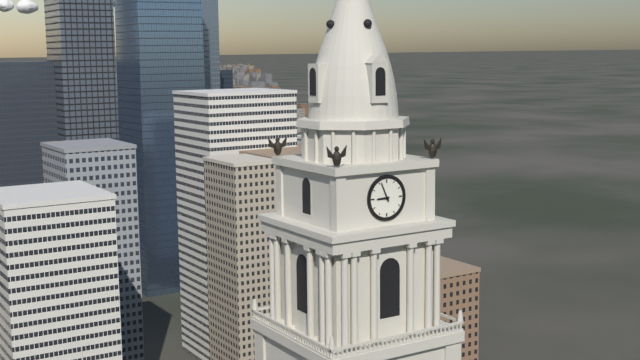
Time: {"hour": 8, "minute": 56}
